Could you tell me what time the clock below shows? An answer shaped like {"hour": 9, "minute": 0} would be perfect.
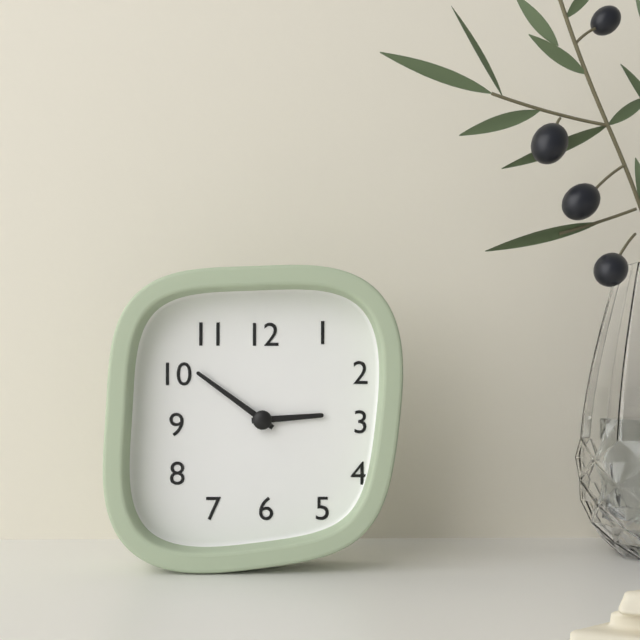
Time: {"hour": 2, "minute": 51}
